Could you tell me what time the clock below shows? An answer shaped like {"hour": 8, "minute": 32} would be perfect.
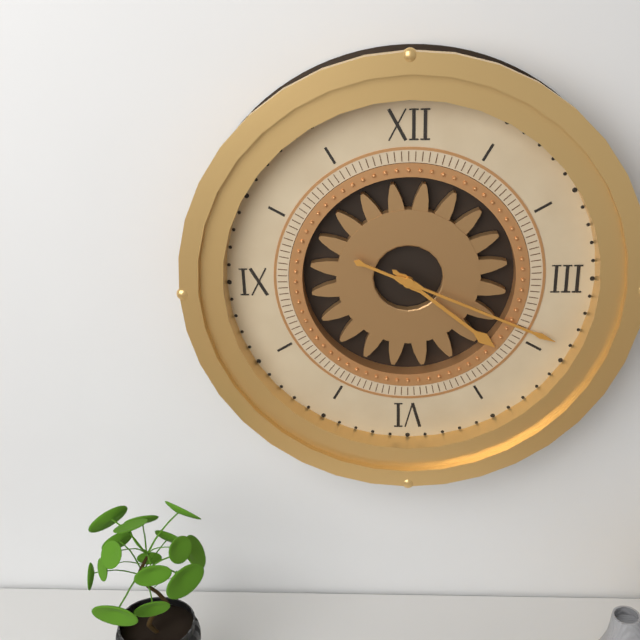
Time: {"hour": 4, "minute": 19}
